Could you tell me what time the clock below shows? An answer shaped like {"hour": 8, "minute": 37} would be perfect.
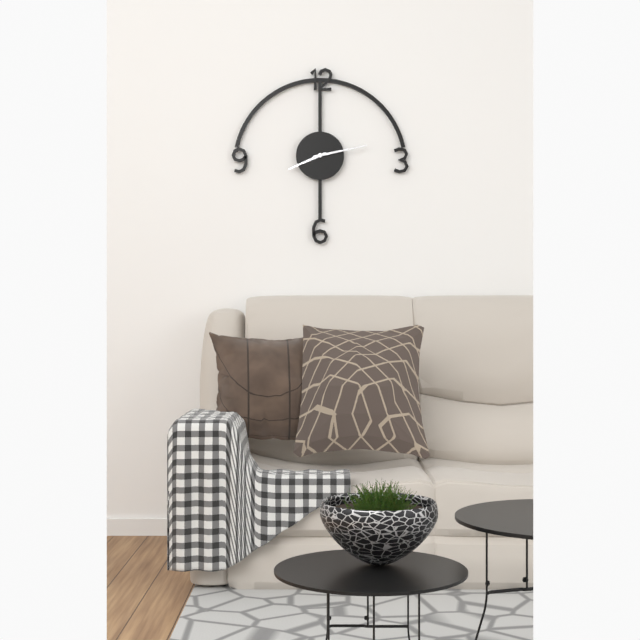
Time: {"hour": 8, "minute": 13}
